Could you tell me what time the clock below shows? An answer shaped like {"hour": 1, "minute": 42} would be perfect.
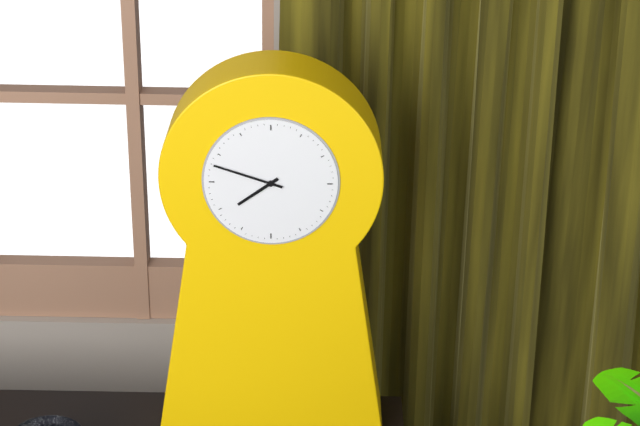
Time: {"hour": 7, "minute": 48}
